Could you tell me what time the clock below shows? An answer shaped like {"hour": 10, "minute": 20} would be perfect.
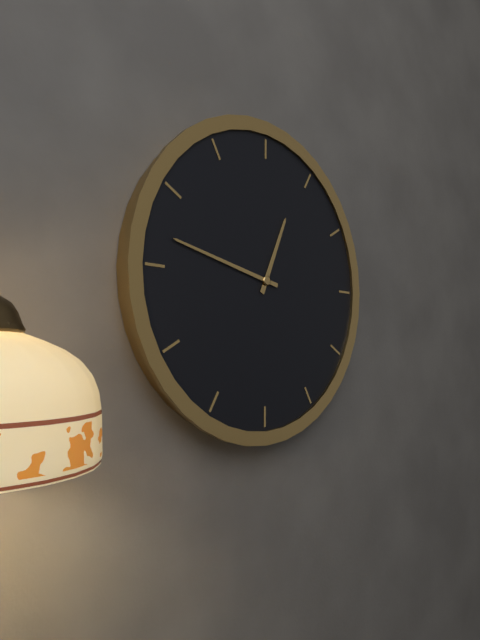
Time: {"hour": 12, "minute": 47}
